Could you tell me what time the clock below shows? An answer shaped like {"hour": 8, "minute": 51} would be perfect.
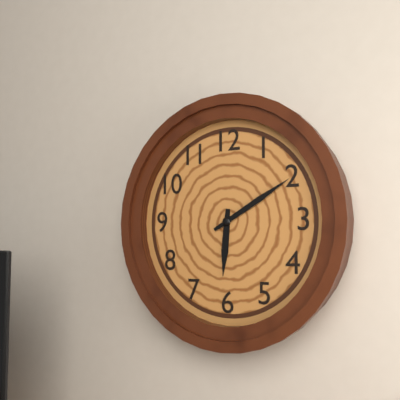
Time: {"hour": 6, "minute": 10}
